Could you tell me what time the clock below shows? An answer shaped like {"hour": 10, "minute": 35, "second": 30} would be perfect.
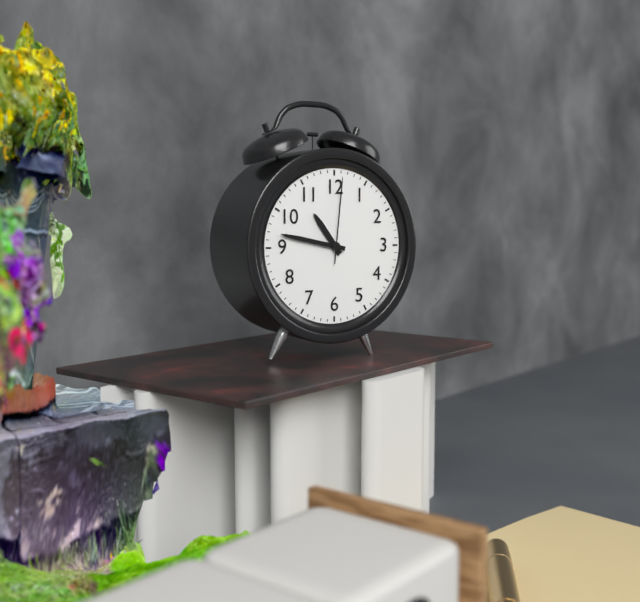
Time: {"hour": 10, "minute": 47, "second": 1}
